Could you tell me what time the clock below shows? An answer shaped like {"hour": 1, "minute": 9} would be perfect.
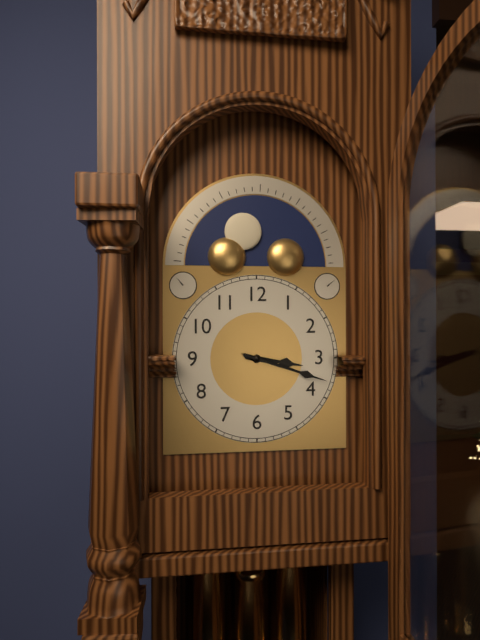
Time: {"hour": 3, "minute": 18}
